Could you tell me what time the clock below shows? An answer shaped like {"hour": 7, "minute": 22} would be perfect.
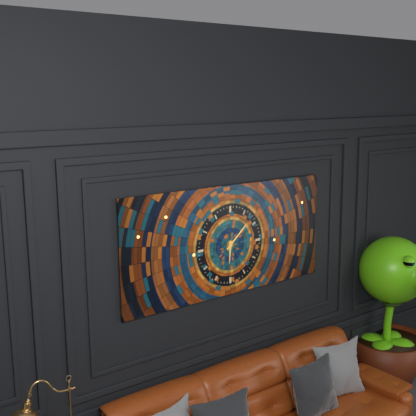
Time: {"hour": 6, "minute": 8}
